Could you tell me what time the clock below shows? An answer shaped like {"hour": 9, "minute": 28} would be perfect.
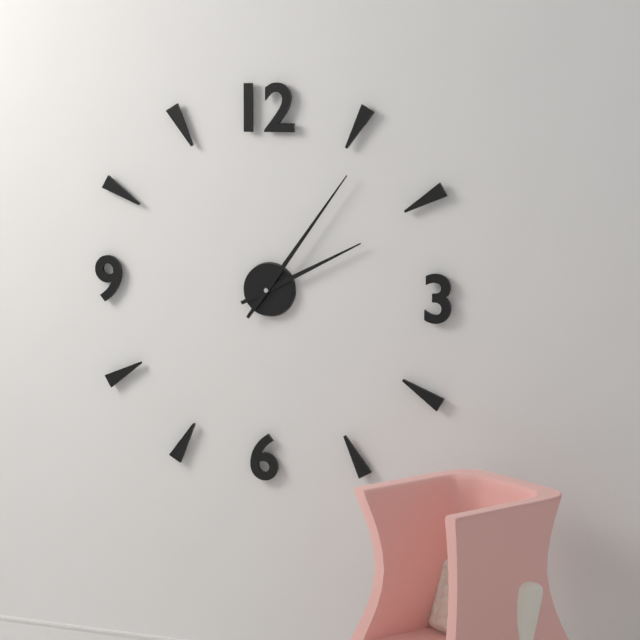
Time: {"hour": 2, "minute": 6}
